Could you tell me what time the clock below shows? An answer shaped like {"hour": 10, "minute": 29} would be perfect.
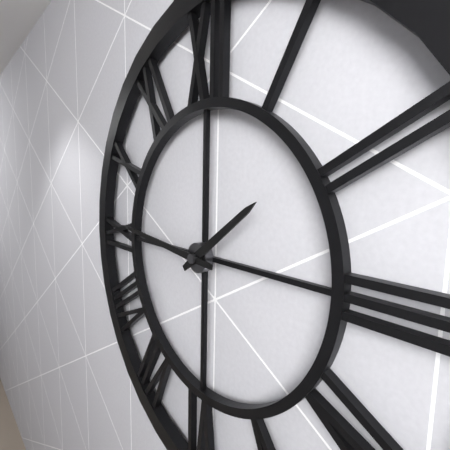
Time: {"hour": 1, "minute": 46}
